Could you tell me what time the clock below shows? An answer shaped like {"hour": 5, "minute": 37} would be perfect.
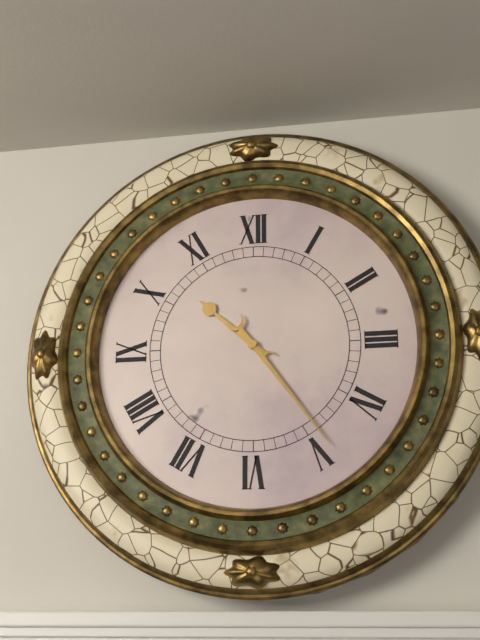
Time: {"hour": 10, "minute": 24}
